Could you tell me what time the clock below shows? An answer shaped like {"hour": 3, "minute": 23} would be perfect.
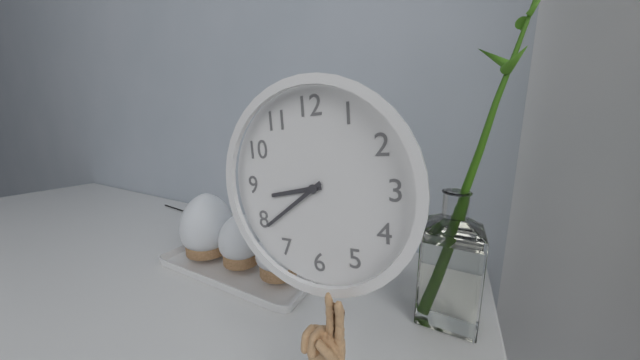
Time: {"hour": 8, "minute": 39}
